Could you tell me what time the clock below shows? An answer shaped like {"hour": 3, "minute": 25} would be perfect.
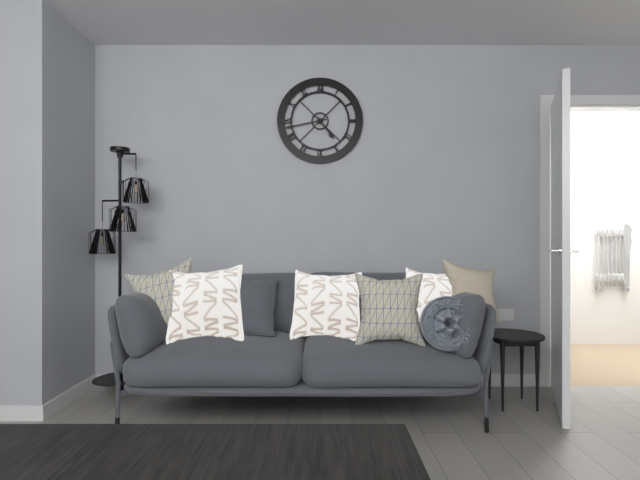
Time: {"hour": 4, "minute": 43}
